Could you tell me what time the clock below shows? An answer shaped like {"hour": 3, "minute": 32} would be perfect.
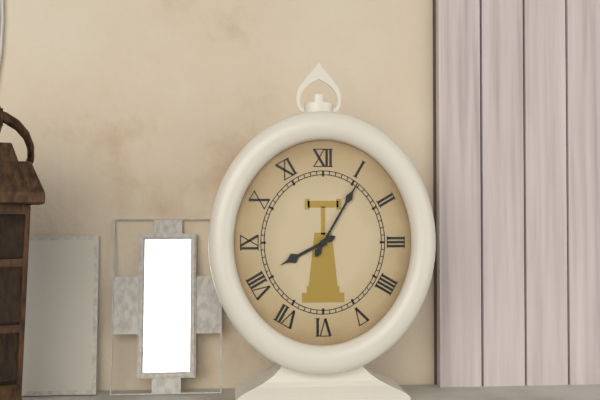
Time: {"hour": 8, "minute": 5}
